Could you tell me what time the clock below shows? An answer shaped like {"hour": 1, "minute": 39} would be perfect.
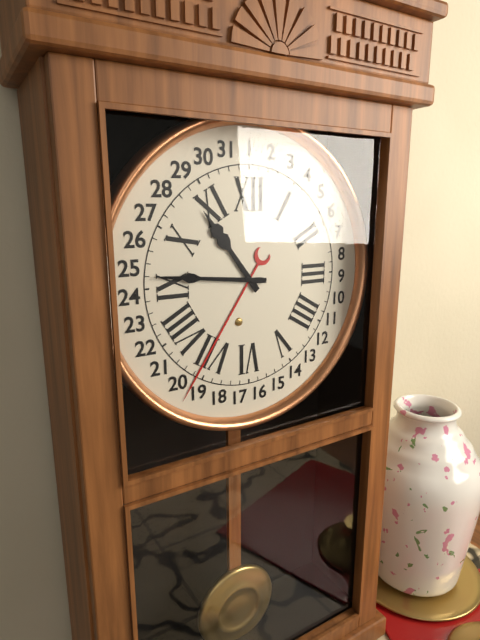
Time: {"hour": 10, "minute": 46}
